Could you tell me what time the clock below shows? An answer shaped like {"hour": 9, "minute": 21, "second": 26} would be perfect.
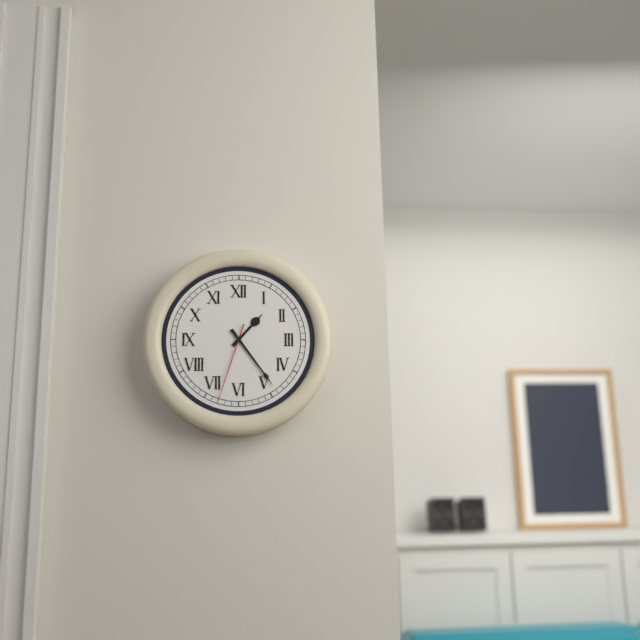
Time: {"hour": 1, "minute": 24, "second": 33}
